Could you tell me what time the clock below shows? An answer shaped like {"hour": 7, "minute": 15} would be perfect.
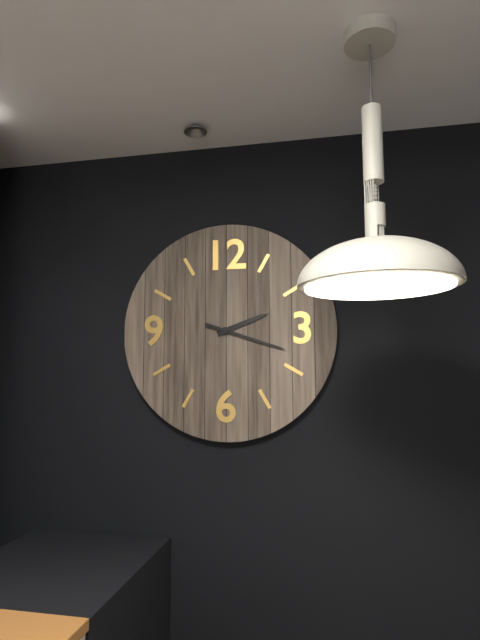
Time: {"hour": 2, "minute": 18}
